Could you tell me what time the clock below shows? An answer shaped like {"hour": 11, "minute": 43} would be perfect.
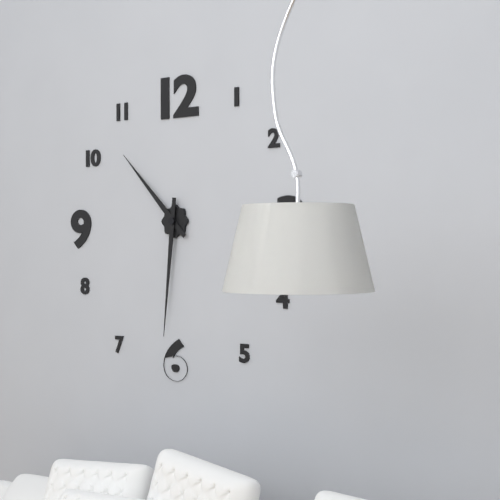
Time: {"hour": 10, "minute": 31}
